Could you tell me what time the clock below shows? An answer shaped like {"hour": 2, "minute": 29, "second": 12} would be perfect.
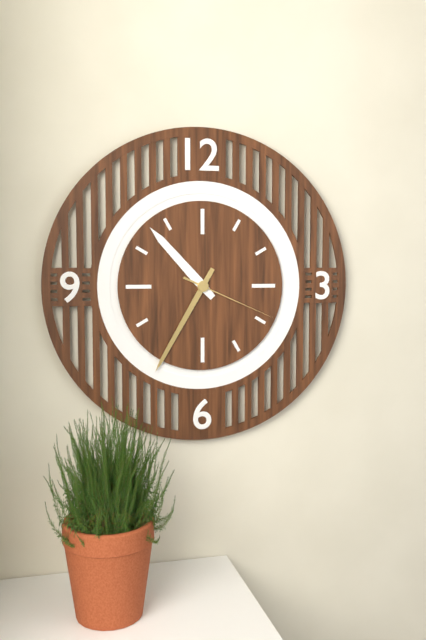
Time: {"hour": 10, "minute": 35, "second": 19}
